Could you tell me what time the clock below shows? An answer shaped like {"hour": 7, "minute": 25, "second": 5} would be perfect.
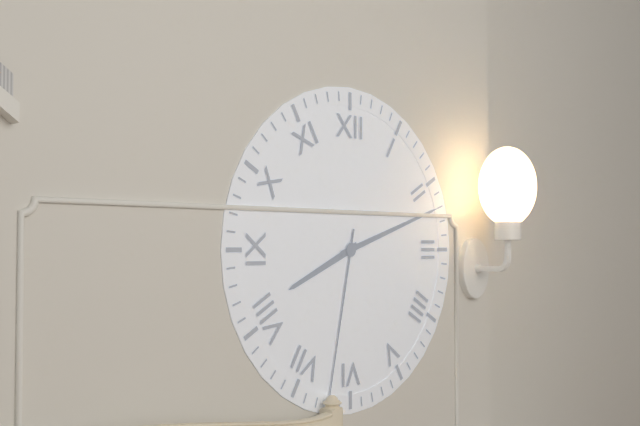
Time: {"hour": 8, "minute": 12, "second": 32}
